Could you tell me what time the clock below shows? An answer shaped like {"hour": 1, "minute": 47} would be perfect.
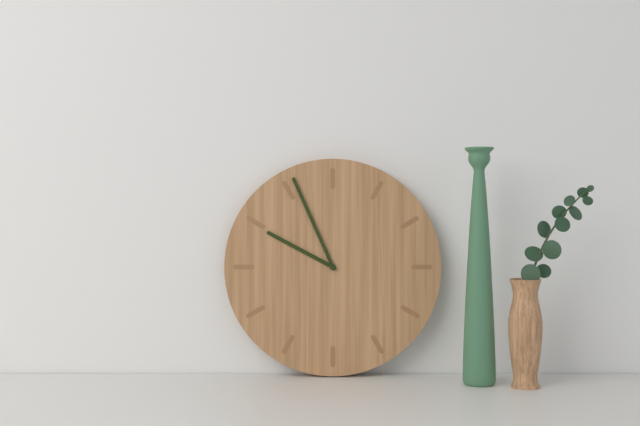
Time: {"hour": 9, "minute": 56}
